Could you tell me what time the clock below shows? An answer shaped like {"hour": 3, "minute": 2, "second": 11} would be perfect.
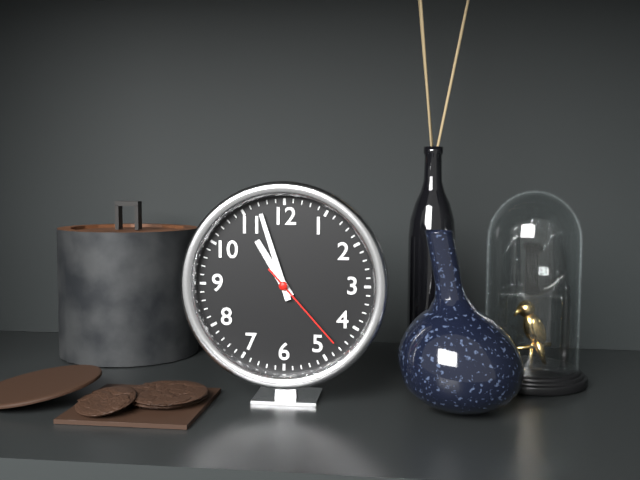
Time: {"hour": 10, "minute": 57, "second": 23}
